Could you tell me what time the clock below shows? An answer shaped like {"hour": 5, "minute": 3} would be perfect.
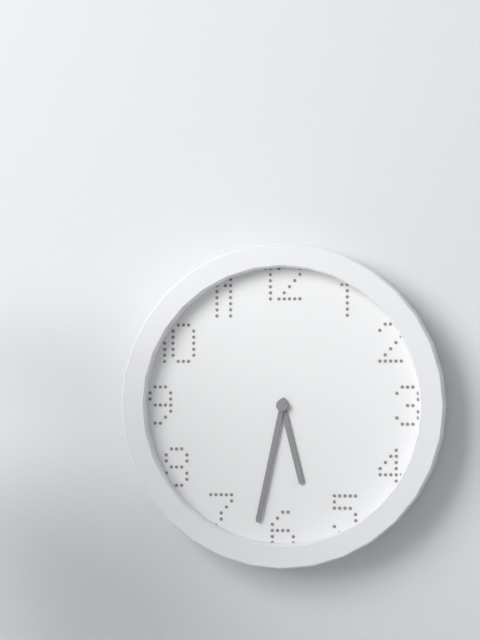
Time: {"hour": 5, "minute": 32}
